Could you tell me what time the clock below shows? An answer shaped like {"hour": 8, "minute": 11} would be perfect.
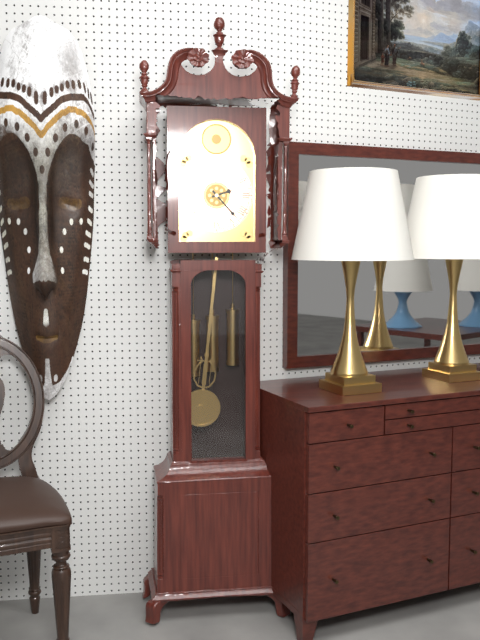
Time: {"hour": 2, "minute": 23}
